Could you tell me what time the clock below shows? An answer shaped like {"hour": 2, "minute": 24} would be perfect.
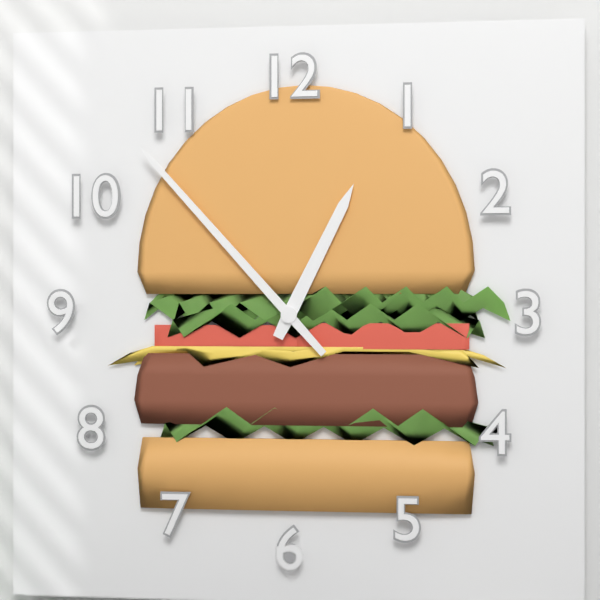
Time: {"hour": 12, "minute": 53}
